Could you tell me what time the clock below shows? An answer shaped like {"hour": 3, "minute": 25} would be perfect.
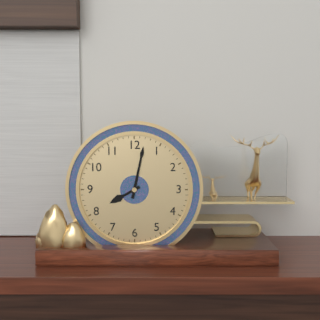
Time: {"hour": 8, "minute": 2}
